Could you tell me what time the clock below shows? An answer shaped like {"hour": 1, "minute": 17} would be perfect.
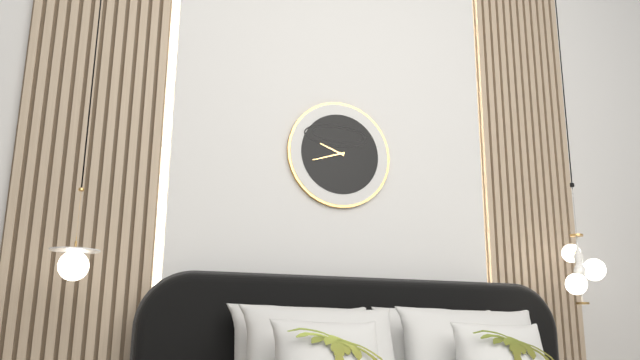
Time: {"hour": 9, "minute": 42}
